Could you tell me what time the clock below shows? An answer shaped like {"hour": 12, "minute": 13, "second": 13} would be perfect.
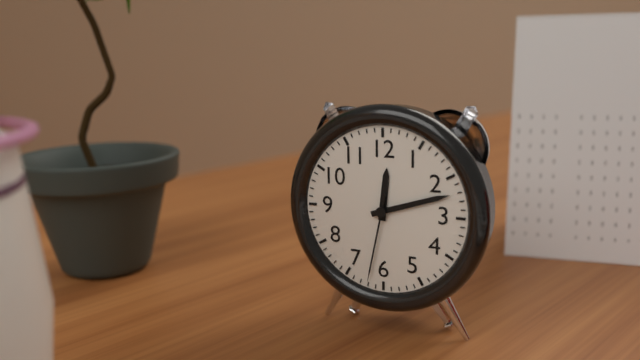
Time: {"hour": 12, "minute": 12, "second": 32}
